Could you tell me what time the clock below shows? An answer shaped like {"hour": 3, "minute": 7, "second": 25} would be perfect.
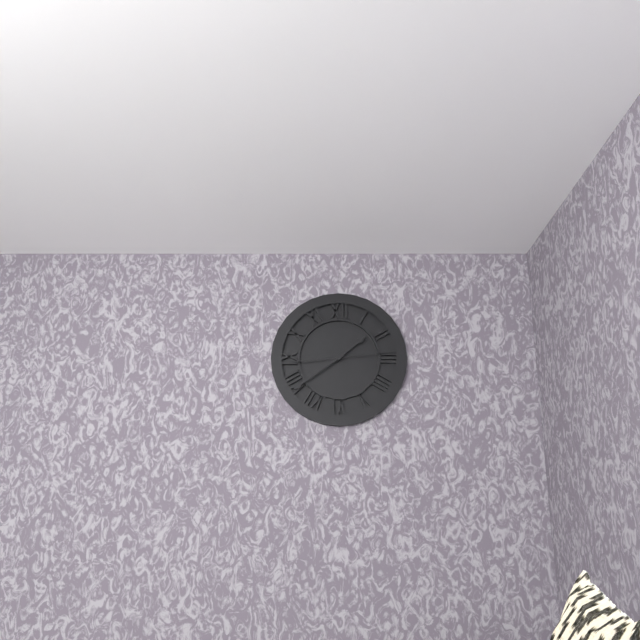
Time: {"hour": 1, "minute": 39, "second": 14}
